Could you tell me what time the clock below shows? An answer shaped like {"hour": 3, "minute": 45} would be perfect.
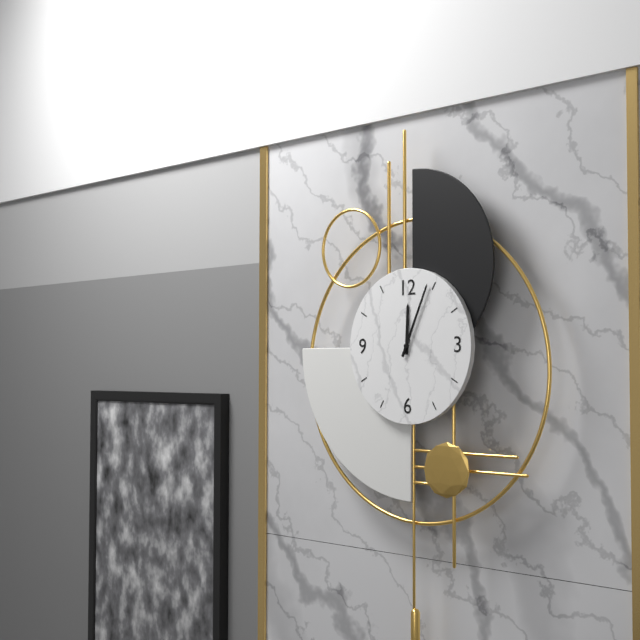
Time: {"hour": 12, "minute": 4}
